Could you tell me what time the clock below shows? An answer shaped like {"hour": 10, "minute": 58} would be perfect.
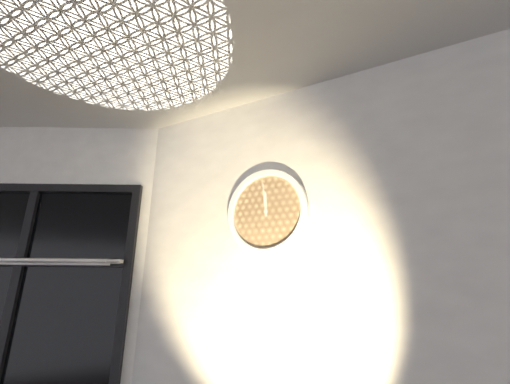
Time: {"hour": 11, "minute": 59}
